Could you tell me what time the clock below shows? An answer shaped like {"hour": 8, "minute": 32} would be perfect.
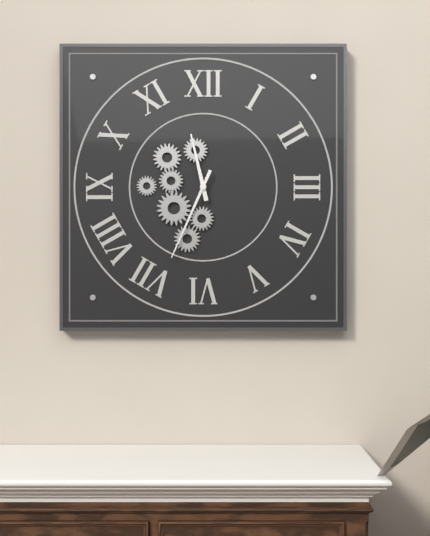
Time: {"hour": 11, "minute": 34}
